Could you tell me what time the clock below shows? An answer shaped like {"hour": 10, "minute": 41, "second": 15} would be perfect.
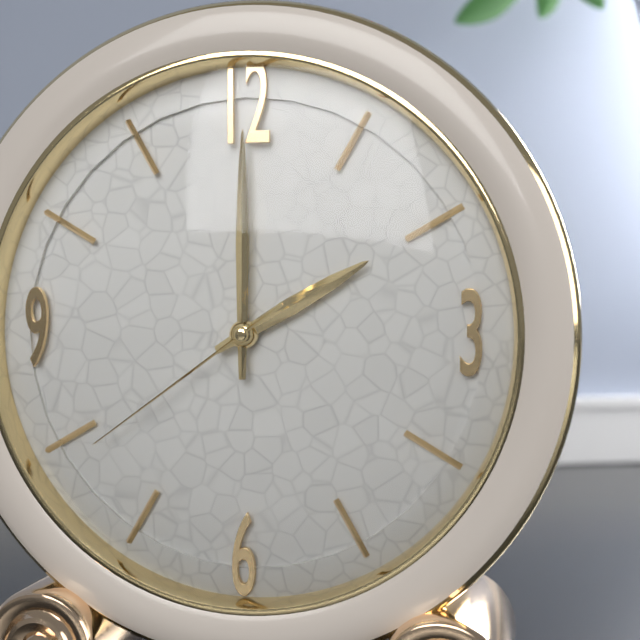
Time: {"hour": 2, "minute": 0, "second": 39}
